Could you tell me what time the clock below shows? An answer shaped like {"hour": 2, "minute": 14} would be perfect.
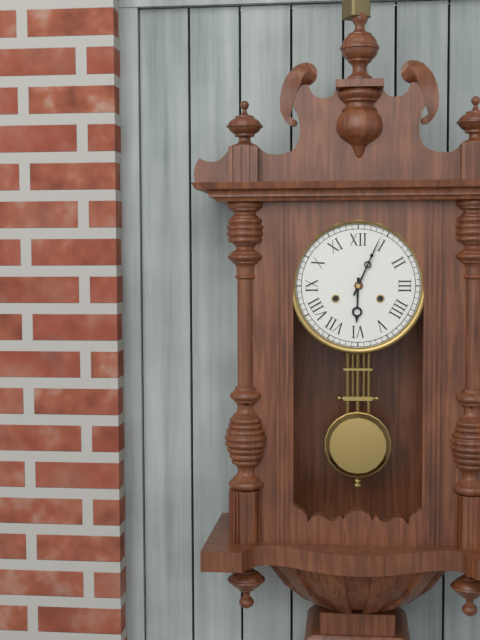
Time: {"hour": 6, "minute": 4}
